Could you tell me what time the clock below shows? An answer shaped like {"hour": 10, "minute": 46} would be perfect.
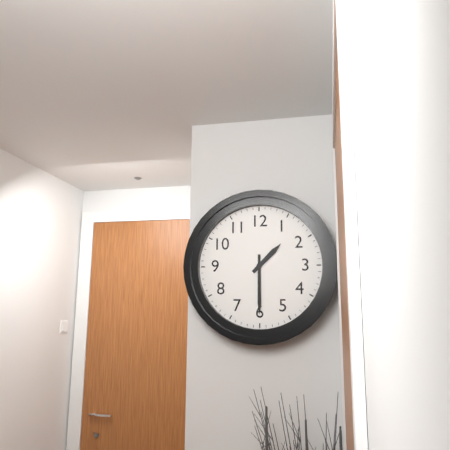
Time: {"hour": 1, "minute": 30}
